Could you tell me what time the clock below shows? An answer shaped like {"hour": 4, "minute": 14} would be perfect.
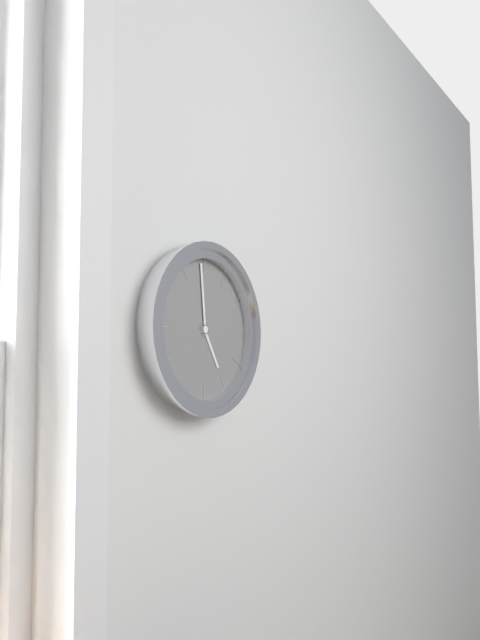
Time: {"hour": 4, "minute": 59}
